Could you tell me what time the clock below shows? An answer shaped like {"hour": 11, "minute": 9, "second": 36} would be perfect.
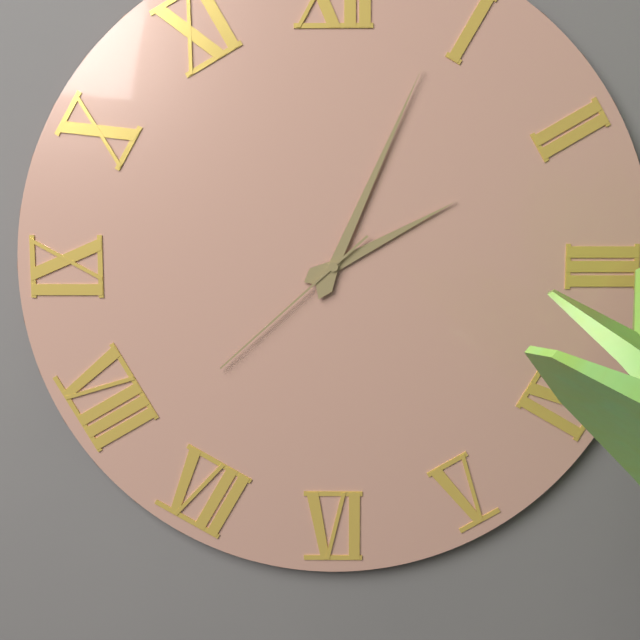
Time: {"hour": 2, "minute": 4, "second": 38}
